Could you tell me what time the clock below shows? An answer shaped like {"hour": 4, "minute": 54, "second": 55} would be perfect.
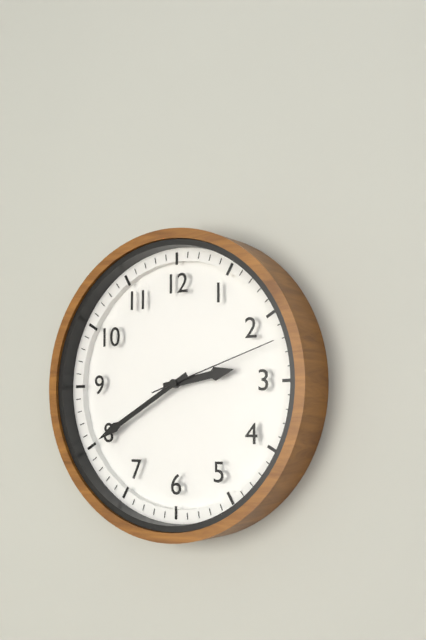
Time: {"hour": 2, "minute": 40, "second": 12}
